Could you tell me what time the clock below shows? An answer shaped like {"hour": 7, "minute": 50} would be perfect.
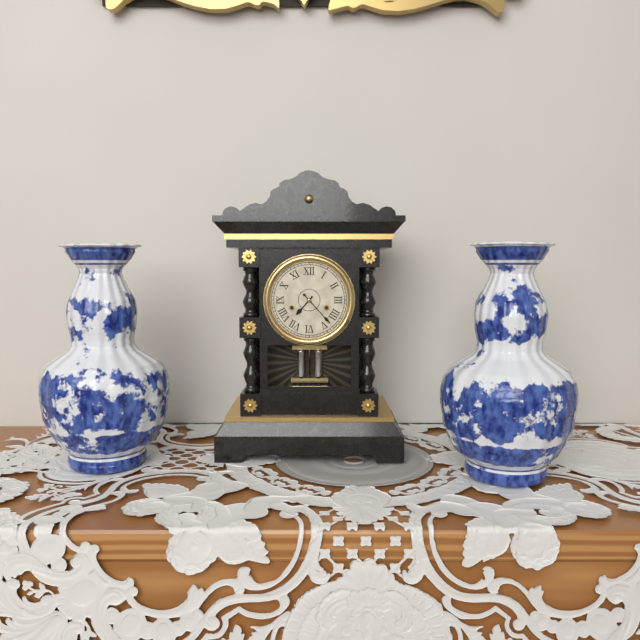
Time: {"hour": 7, "minute": 23}
